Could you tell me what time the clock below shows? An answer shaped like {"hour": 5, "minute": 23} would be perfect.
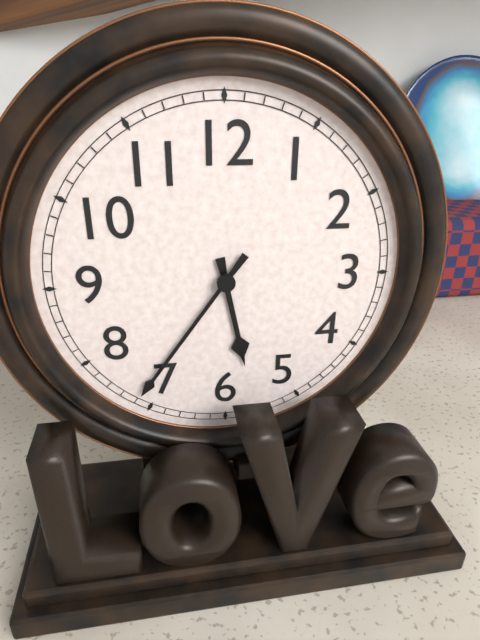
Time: {"hour": 5, "minute": 36}
